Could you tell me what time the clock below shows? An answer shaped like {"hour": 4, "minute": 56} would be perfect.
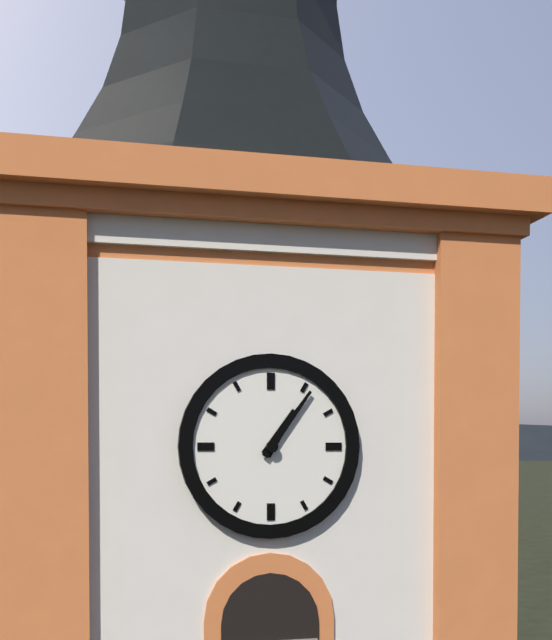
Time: {"hour": 1, "minute": 6}
